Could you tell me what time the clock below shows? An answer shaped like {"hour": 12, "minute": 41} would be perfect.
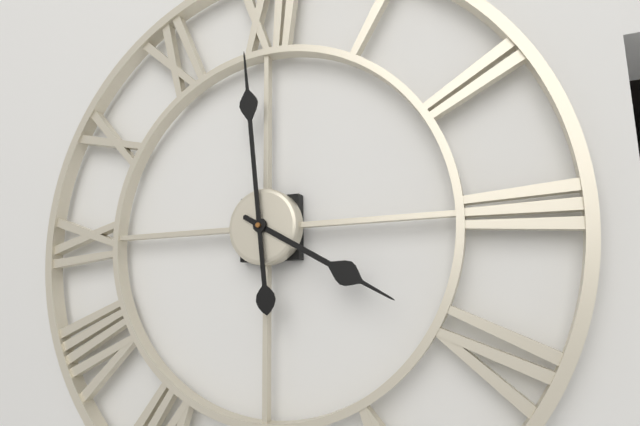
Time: {"hour": 3, "minute": 59}
